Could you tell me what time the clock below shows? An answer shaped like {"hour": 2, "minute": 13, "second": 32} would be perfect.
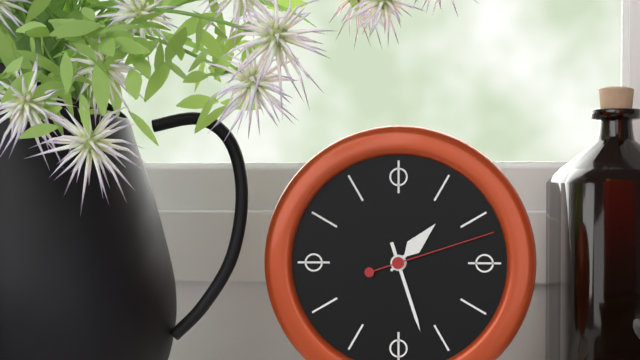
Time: {"hour": 1, "minute": 27, "second": 12}
